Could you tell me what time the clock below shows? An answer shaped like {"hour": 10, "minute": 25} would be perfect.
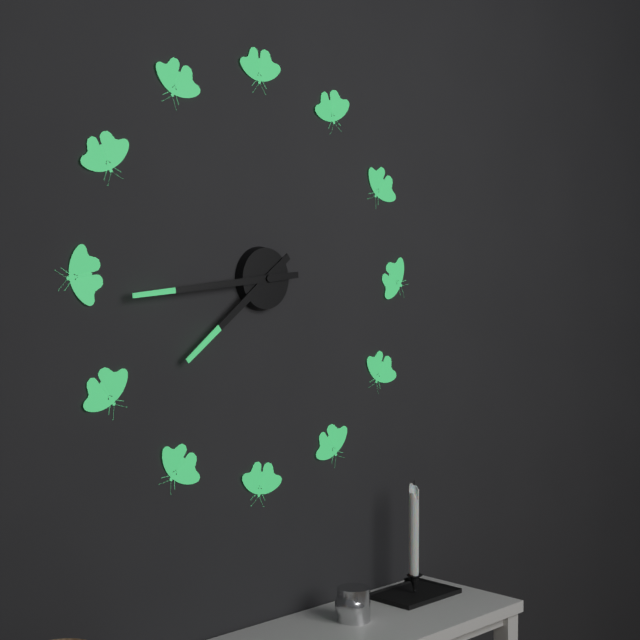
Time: {"hour": 7, "minute": 44}
